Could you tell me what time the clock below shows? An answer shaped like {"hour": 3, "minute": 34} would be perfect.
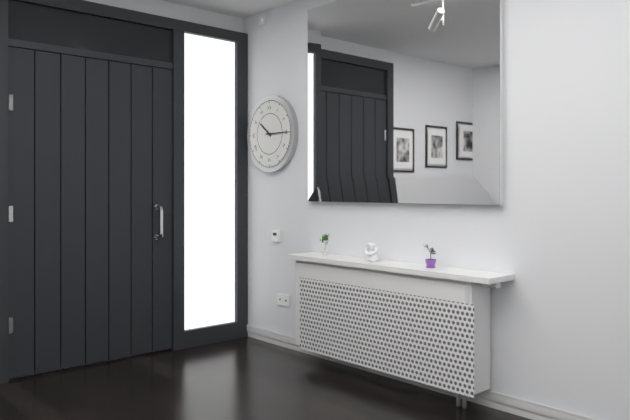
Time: {"hour": 10, "minute": 15}
